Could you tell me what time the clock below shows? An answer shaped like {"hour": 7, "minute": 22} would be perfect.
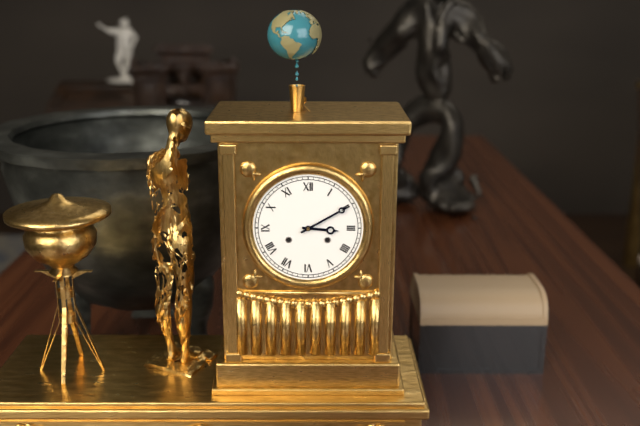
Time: {"hour": 3, "minute": 10}
